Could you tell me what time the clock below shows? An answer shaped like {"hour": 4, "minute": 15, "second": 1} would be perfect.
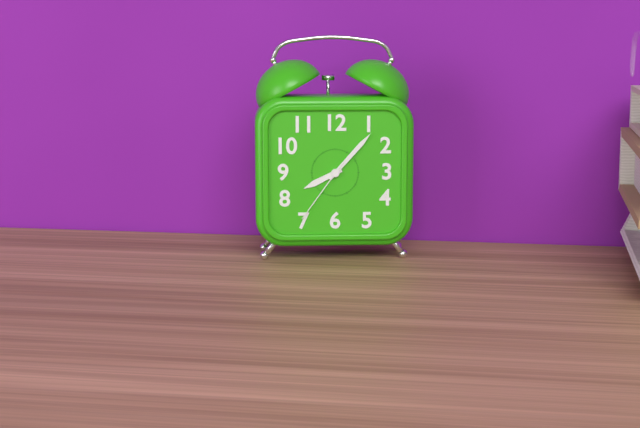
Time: {"hour": 8, "minute": 7, "second": 36}
